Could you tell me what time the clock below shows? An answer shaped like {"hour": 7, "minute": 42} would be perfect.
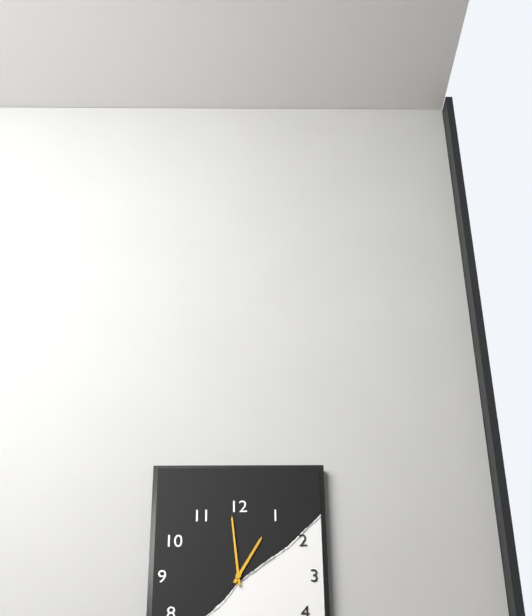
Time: {"hour": 12, "minute": 59}
